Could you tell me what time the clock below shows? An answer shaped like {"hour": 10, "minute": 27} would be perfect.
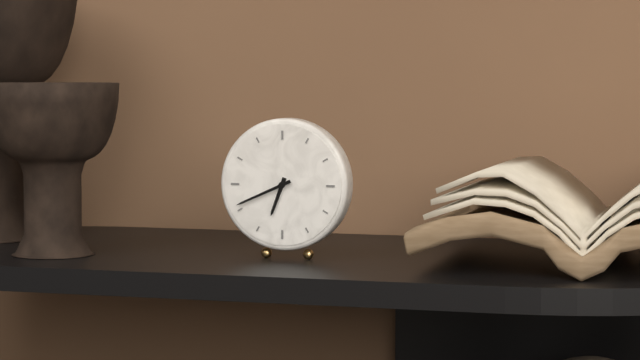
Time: {"hour": 6, "minute": 41}
